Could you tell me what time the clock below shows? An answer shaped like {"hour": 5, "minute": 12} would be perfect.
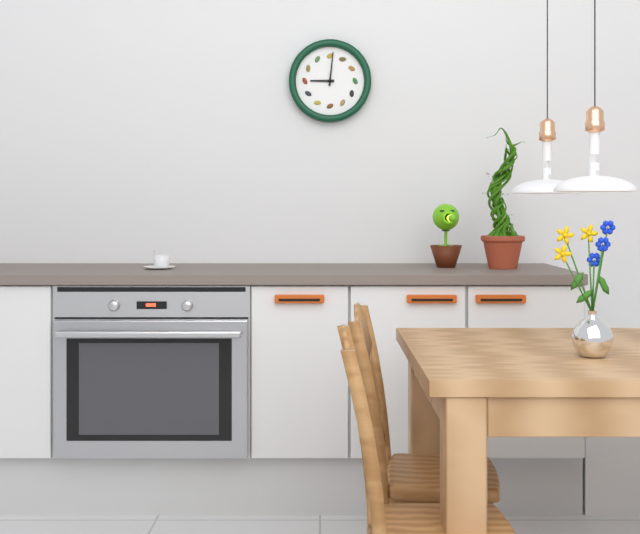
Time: {"hour": 9, "minute": 1}
